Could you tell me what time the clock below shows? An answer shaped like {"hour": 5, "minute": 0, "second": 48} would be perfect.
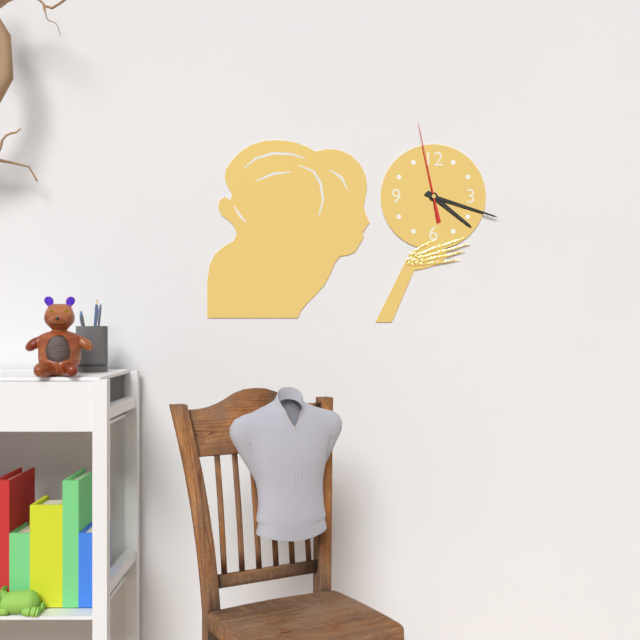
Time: {"hour": 4, "minute": 18, "second": 58}
